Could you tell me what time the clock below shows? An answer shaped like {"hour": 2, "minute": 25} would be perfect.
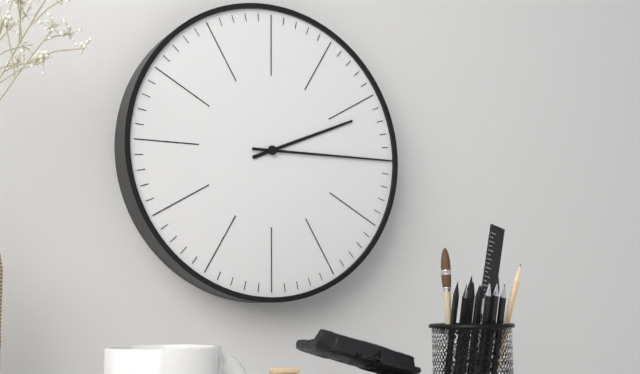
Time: {"hour": 2, "minute": 15}
